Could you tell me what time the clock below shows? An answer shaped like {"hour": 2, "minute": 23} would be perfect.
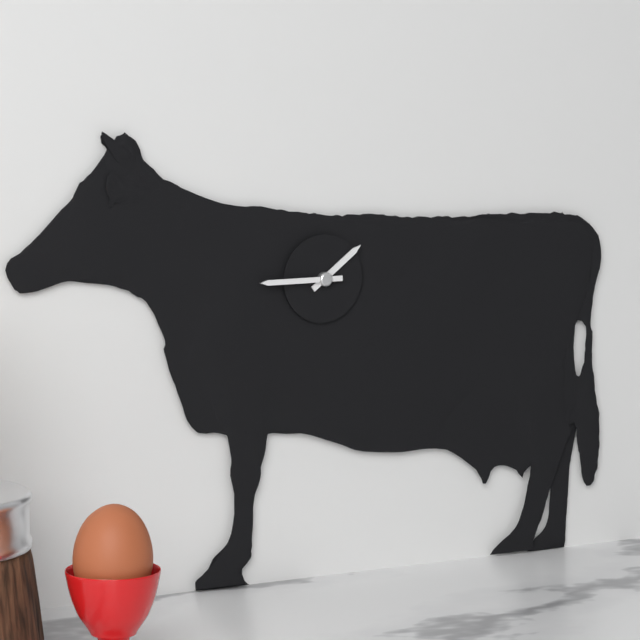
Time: {"hour": 1, "minute": 45}
